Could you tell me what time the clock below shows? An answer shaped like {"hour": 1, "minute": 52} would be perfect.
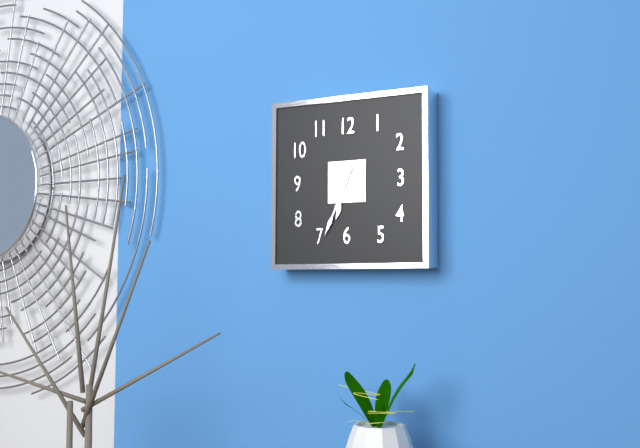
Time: {"hour": 6, "minute": 34}
